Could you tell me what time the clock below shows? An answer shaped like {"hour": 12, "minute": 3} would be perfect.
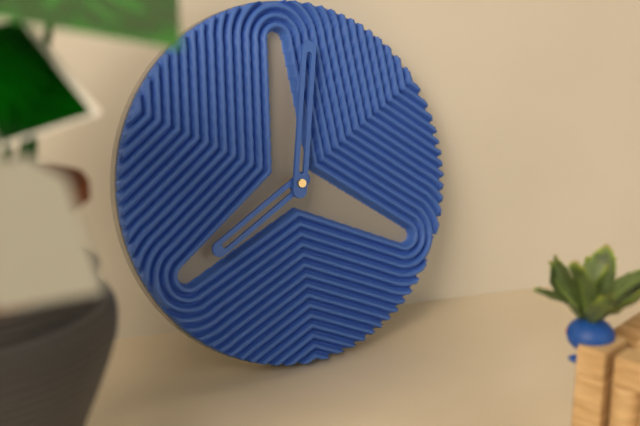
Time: {"hour": 8, "minute": 2}
